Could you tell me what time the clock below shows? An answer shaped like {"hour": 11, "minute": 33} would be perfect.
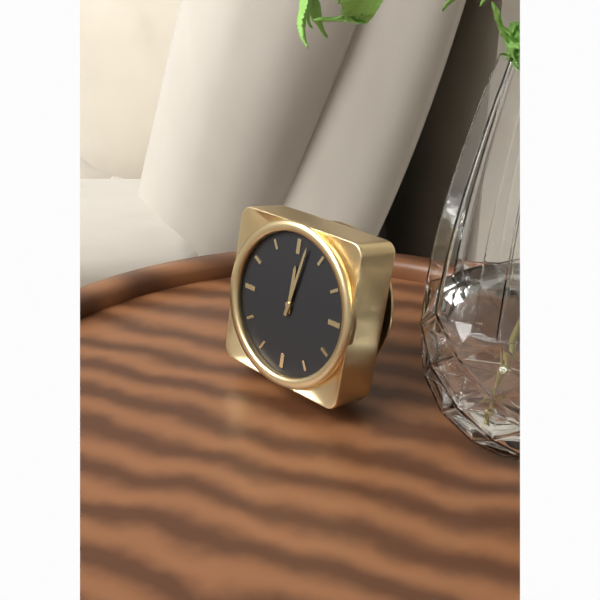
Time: {"hour": 12, "minute": 2}
